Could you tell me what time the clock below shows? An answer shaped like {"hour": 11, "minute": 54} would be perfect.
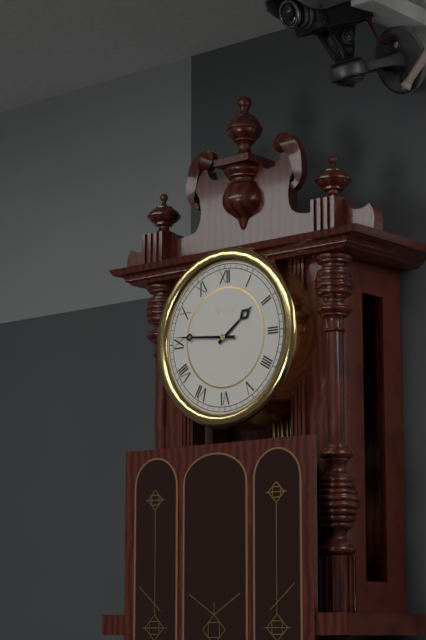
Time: {"hour": 1, "minute": 46}
